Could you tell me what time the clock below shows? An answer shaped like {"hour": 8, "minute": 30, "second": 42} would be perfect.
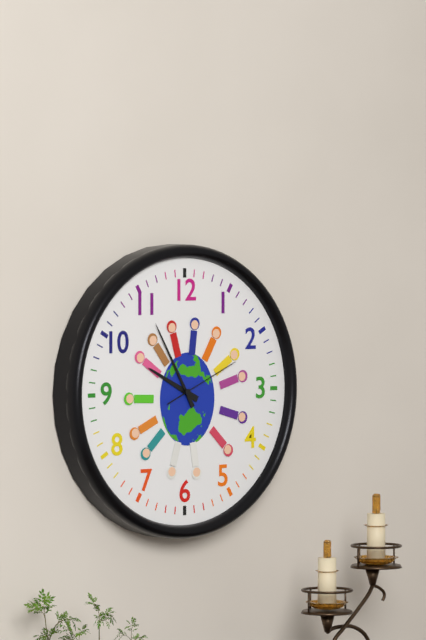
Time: {"hour": 9, "minute": 55, "second": 11}
